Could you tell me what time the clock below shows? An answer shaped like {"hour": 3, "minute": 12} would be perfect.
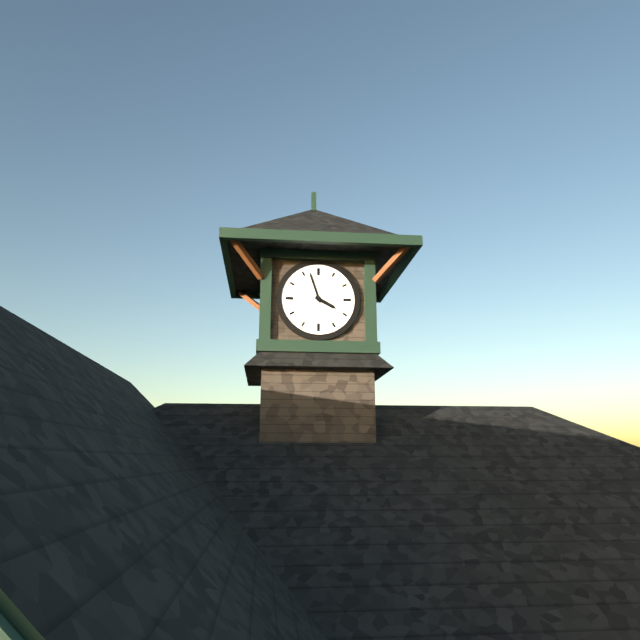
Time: {"hour": 3, "minute": 57}
